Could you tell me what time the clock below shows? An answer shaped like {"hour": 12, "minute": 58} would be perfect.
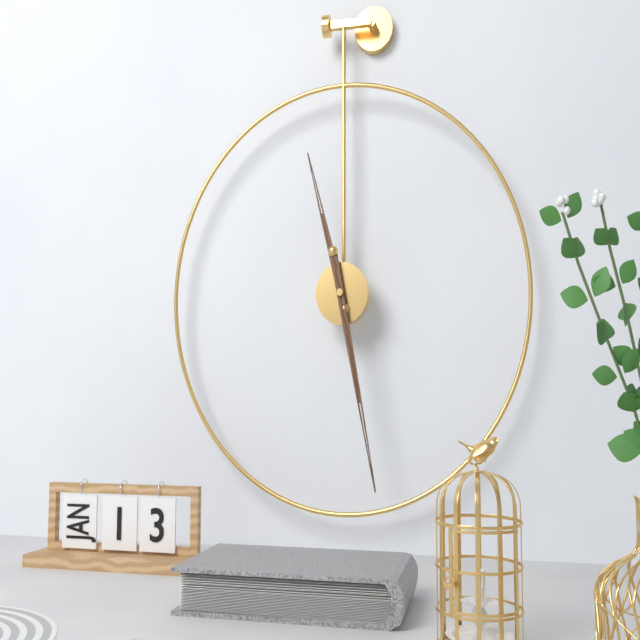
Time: {"hour": 11, "minute": 28}
